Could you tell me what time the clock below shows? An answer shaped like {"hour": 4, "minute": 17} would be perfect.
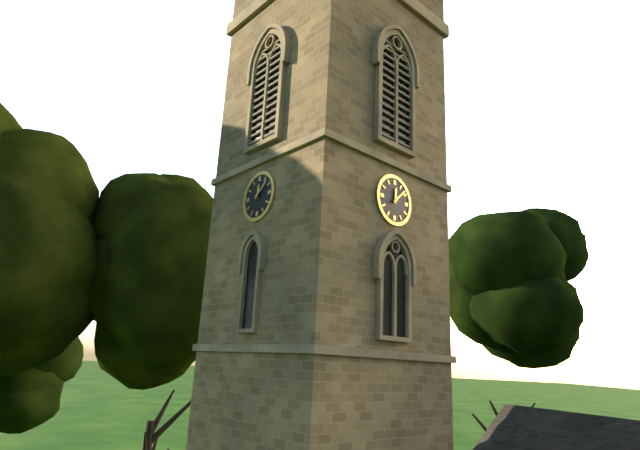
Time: {"hour": 12, "minute": 8}
